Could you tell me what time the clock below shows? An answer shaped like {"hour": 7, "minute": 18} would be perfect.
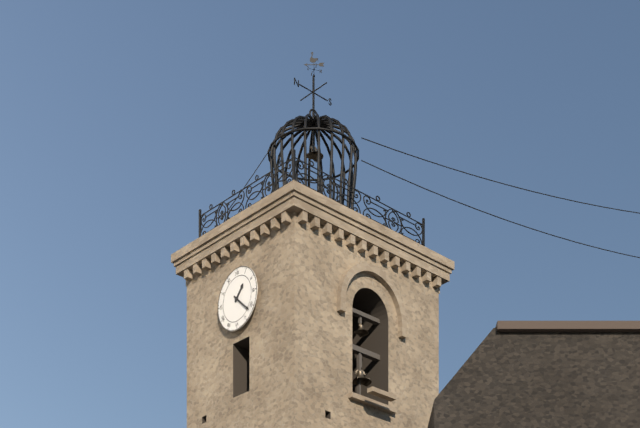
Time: {"hour": 1, "minute": 22}
